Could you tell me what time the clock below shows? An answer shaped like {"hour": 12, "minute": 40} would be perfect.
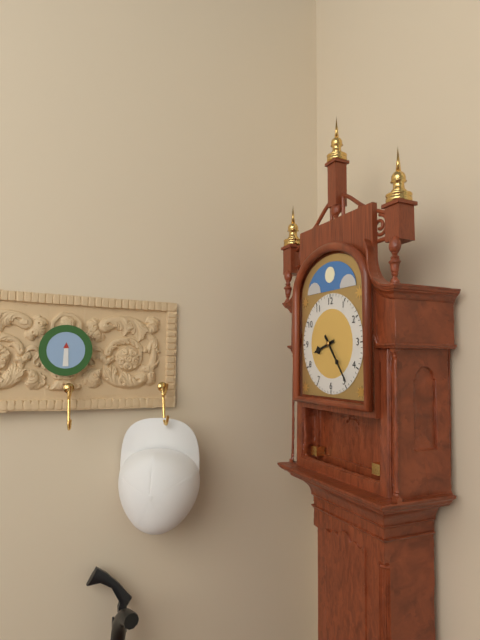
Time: {"hour": 8, "minute": 24}
